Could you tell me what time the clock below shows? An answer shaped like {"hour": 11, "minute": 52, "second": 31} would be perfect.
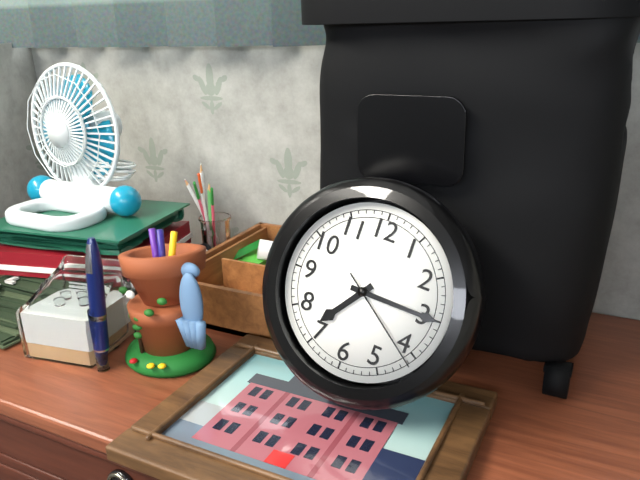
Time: {"hour": 7, "minute": 15, "second": 21}
